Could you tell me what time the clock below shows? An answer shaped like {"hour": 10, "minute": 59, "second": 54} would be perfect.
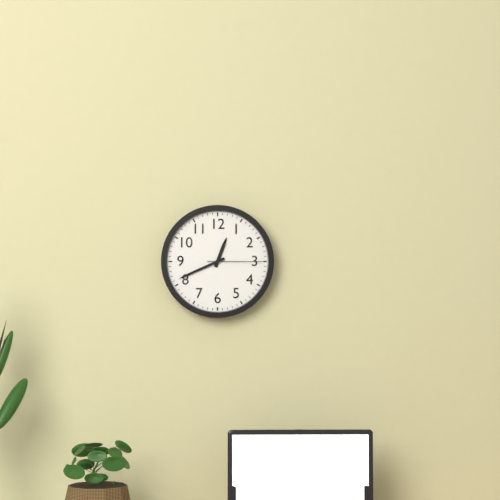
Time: {"hour": 12, "minute": 41, "second": 15}
